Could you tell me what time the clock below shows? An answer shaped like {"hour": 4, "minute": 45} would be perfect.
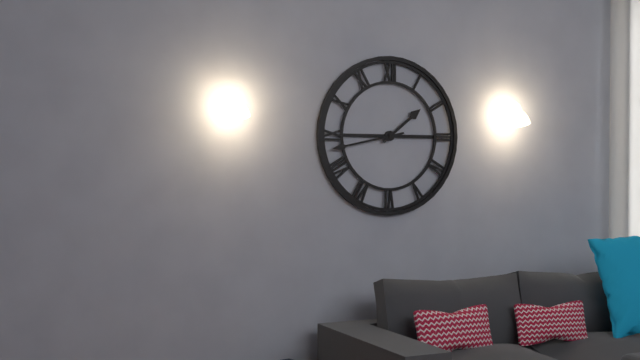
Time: {"hour": 1, "minute": 43}
